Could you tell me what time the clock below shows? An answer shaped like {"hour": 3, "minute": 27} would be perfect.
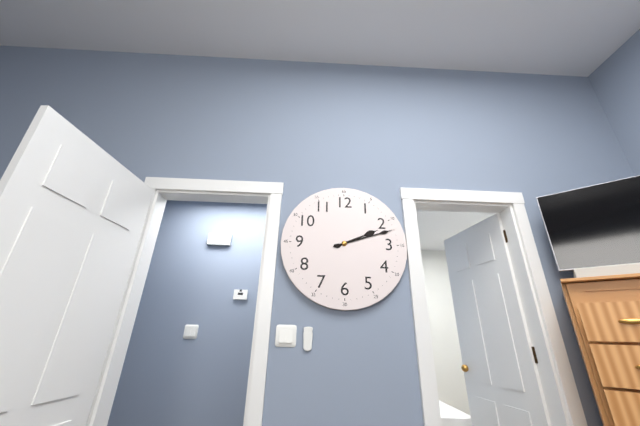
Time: {"hour": 2, "minute": 12}
